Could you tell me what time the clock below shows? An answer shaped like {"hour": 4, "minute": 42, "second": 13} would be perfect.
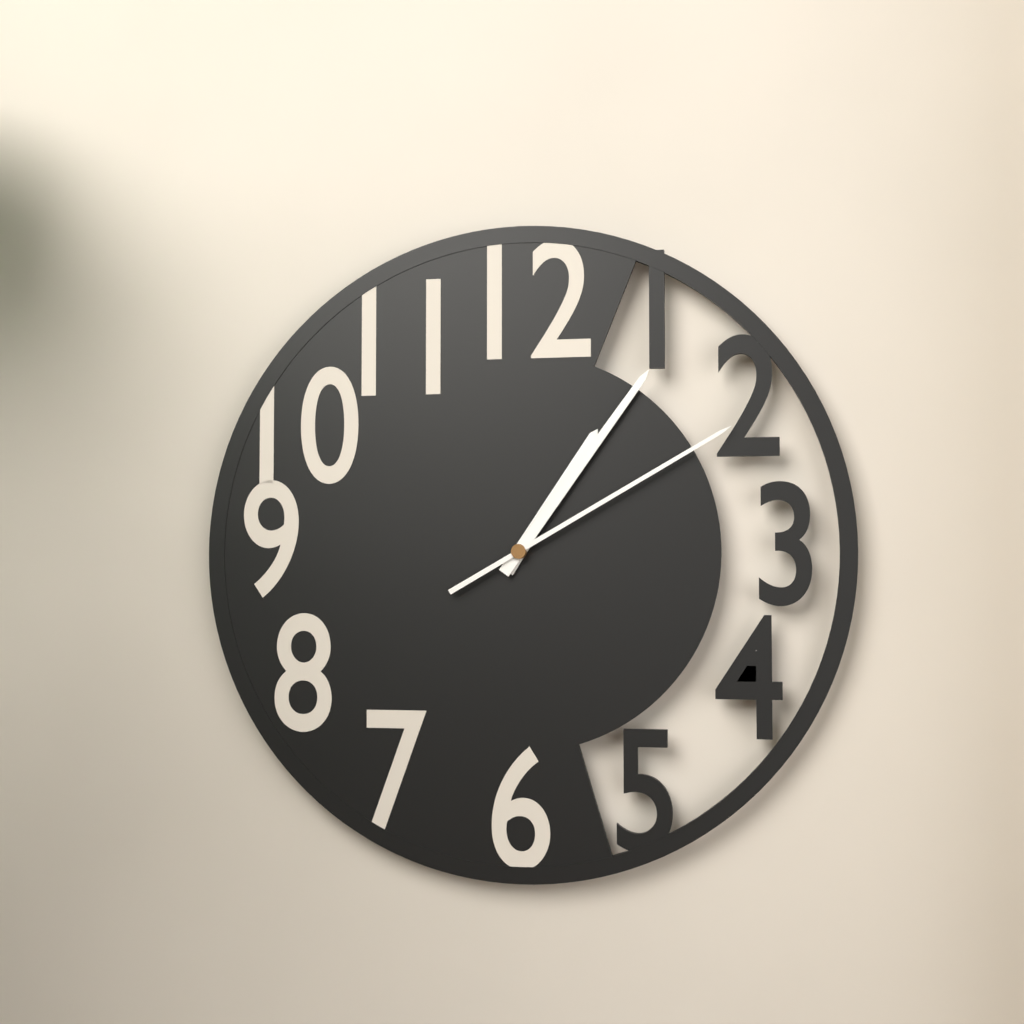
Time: {"hour": 1, "minute": 6, "second": 10}
